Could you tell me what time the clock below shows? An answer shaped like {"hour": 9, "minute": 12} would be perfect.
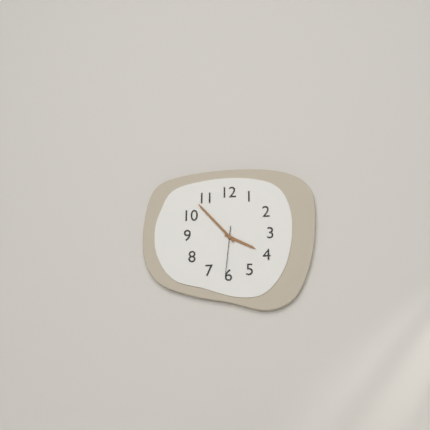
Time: {"hour": 3, "minute": 53}
